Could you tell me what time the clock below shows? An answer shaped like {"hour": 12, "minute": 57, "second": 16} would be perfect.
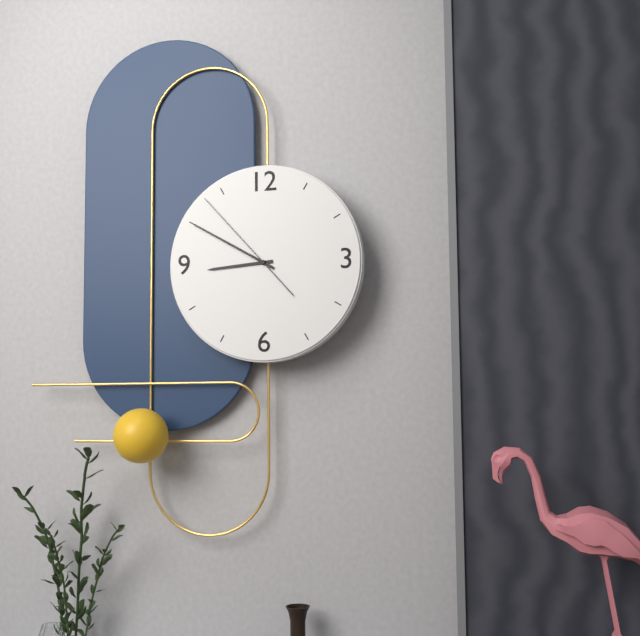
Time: {"hour": 8, "minute": 50, "second": 53}
